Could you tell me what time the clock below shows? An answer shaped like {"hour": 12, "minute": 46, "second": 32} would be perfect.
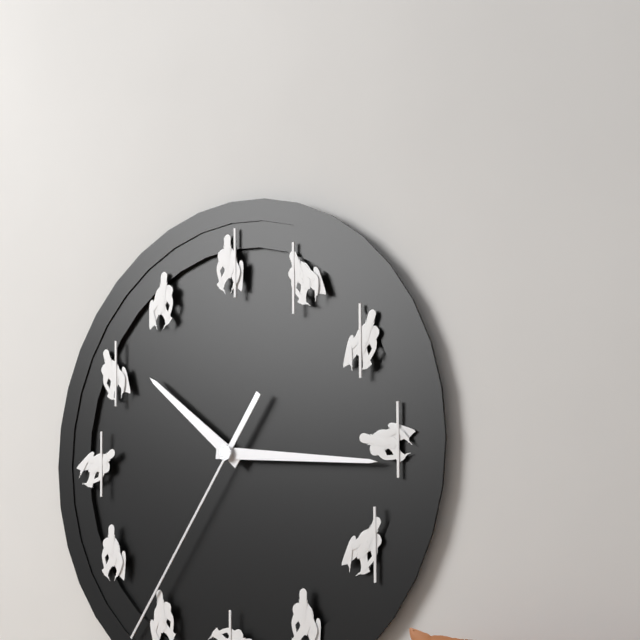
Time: {"hour": 10, "minute": 16, "second": 36}
